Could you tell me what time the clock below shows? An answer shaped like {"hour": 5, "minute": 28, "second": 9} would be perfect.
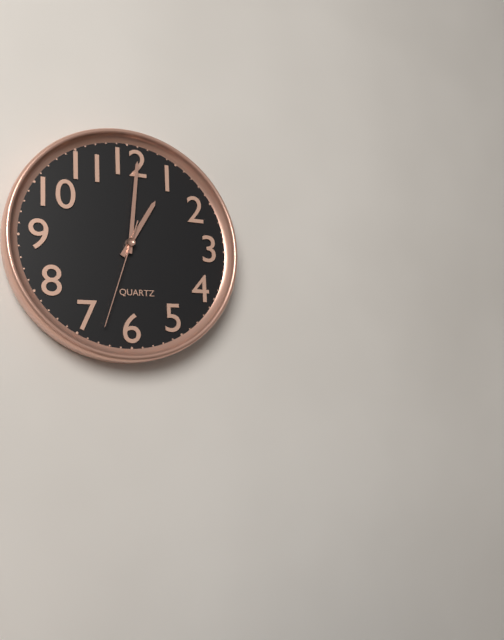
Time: {"hour": 1, "minute": 1, "second": 33}
